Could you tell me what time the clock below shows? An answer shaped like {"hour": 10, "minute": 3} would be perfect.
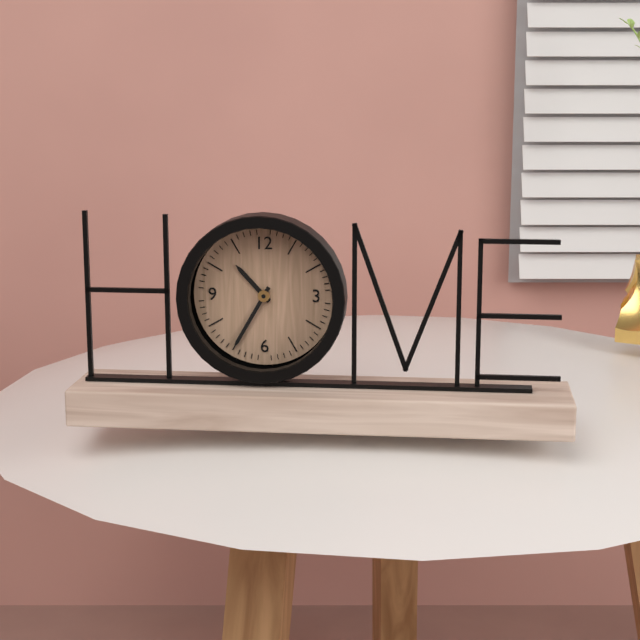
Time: {"hour": 10, "minute": 35}
